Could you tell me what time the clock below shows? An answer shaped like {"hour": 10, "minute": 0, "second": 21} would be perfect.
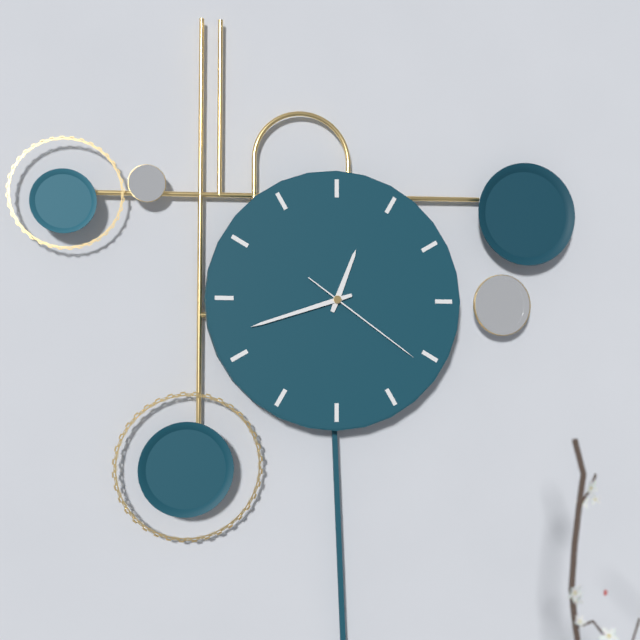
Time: {"hour": 12, "minute": 42, "second": 21}
